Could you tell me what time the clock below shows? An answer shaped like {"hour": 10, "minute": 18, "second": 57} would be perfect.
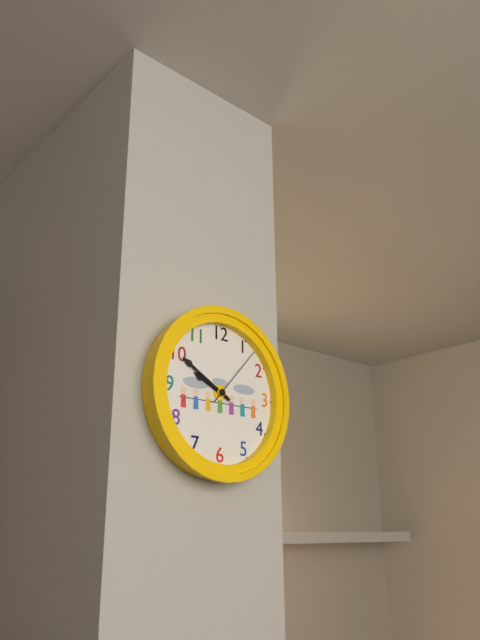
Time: {"hour": 9, "minute": 50, "second": 7}
